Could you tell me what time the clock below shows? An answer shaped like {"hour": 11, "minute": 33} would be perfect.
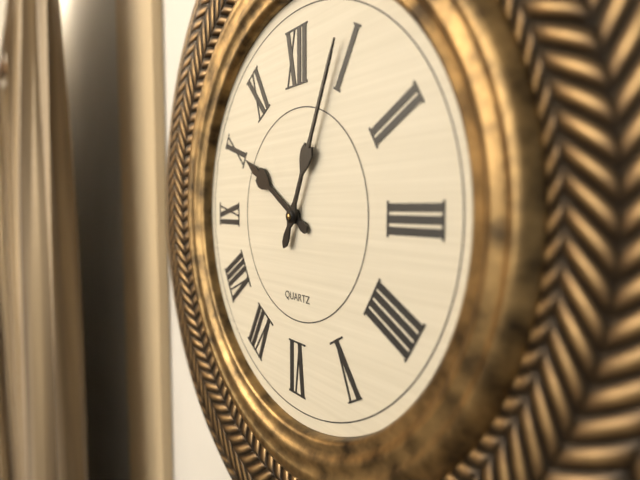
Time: {"hour": 10, "minute": 4}
